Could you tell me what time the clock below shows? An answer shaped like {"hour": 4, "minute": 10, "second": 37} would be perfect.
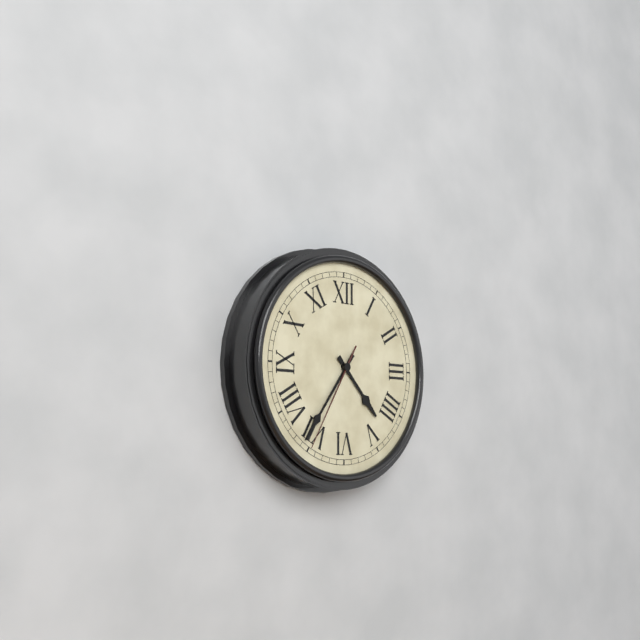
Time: {"hour": 4, "minute": 36, "second": 35}
